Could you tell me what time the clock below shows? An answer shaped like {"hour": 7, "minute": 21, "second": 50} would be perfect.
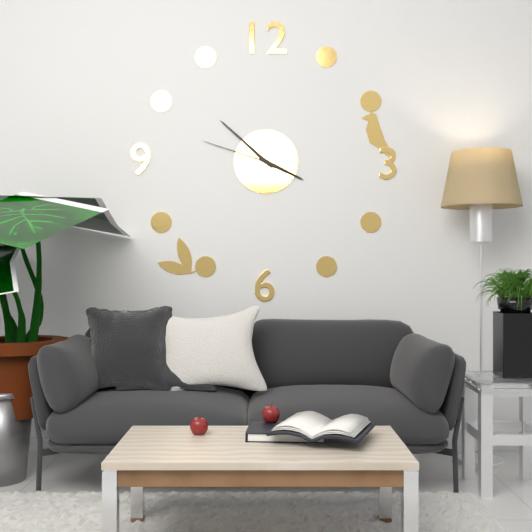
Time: {"hour": 3, "minute": 52, "second": 48}
